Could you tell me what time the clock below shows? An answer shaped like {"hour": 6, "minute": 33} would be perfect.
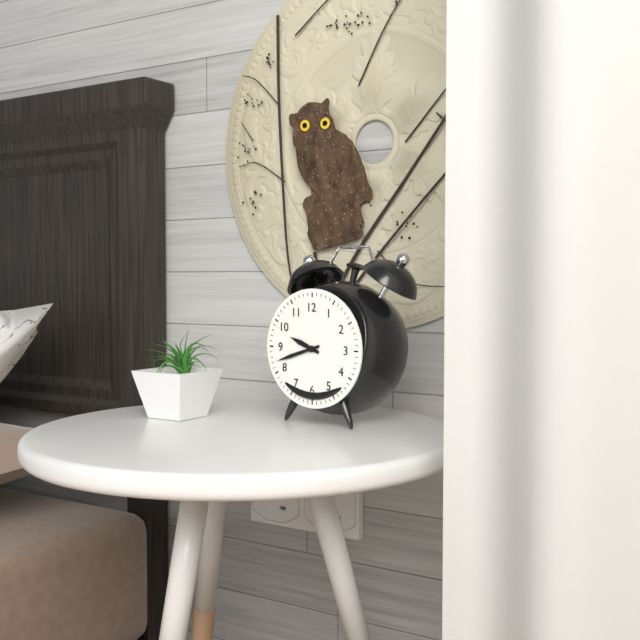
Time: {"hour": 9, "minute": 42}
